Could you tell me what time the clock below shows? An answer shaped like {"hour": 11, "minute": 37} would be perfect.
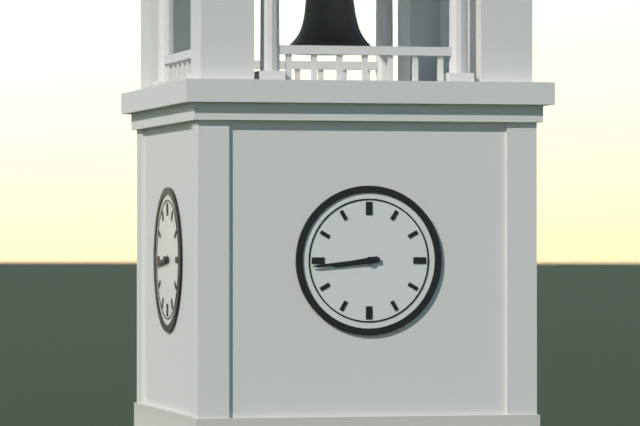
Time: {"hour": 8, "minute": 44}
